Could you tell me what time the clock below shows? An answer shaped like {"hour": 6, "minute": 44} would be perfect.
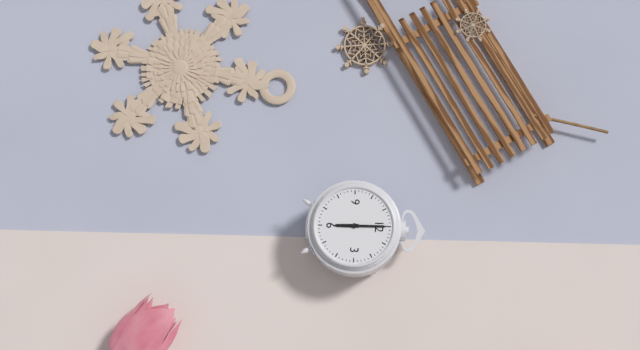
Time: {"hour": 6, "minute": 0}
